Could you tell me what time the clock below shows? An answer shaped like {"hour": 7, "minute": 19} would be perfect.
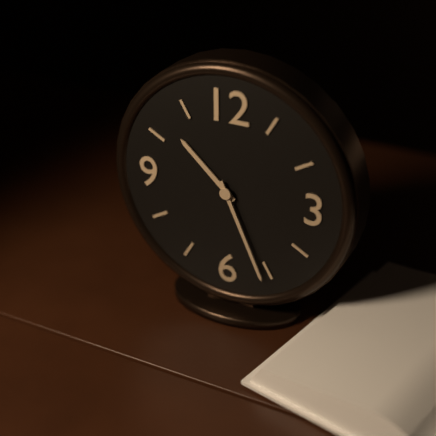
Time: {"hour": 10, "minute": 26}
